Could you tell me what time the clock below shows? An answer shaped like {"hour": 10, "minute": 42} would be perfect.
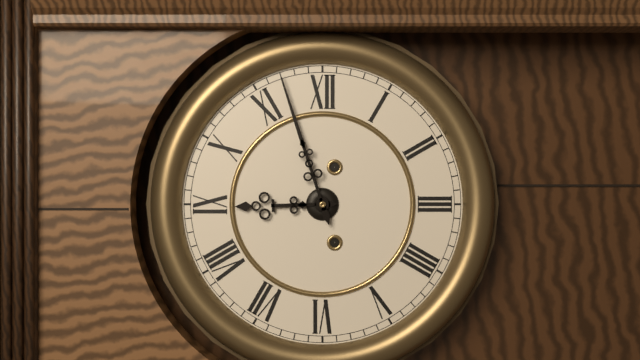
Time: {"hour": 8, "minute": 57}
